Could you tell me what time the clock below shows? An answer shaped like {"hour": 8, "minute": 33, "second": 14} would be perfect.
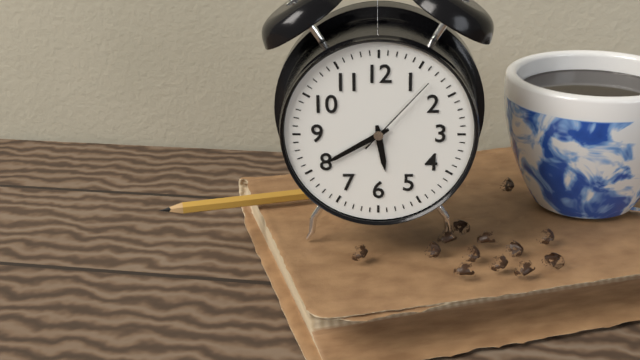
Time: {"hour": 5, "minute": 40, "second": 7}
